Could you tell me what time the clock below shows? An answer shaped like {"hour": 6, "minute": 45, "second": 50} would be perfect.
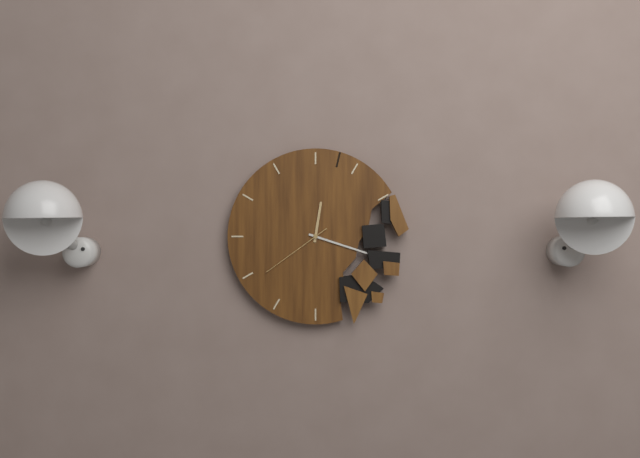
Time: {"hour": 12, "minute": 18, "second": 39}
